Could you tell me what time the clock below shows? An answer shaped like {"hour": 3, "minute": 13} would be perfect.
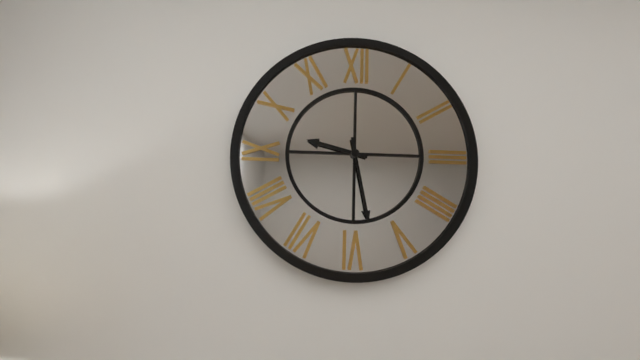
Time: {"hour": 9, "minute": 28}
